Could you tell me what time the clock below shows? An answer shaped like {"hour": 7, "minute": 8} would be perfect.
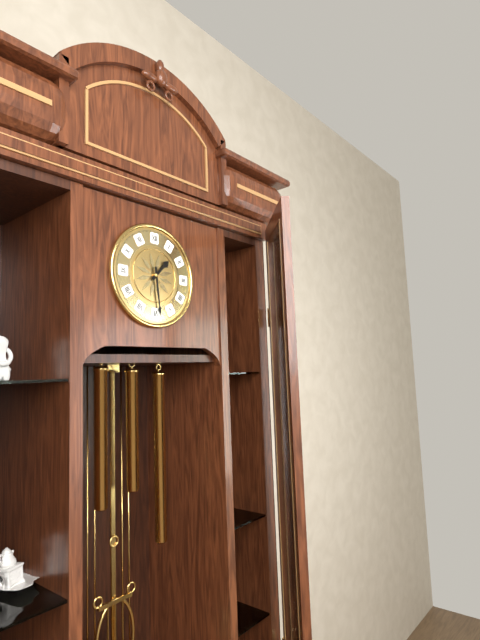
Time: {"hour": 1, "minute": 29}
